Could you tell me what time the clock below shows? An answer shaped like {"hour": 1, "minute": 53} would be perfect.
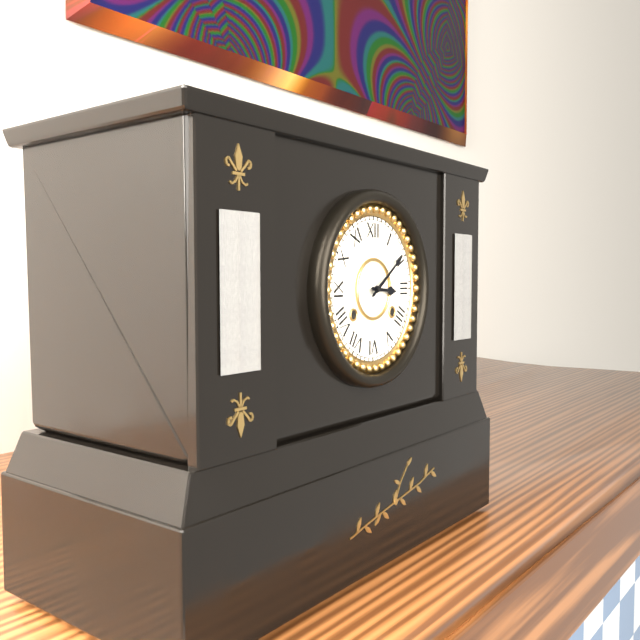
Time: {"hour": 3, "minute": 9}
